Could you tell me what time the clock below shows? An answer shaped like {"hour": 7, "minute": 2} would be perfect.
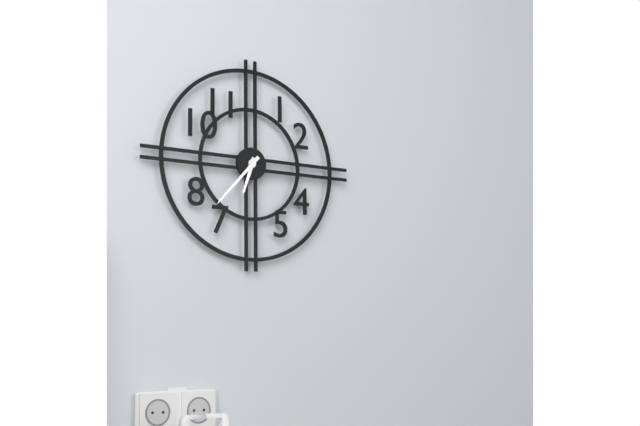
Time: {"hour": 6, "minute": 37}
